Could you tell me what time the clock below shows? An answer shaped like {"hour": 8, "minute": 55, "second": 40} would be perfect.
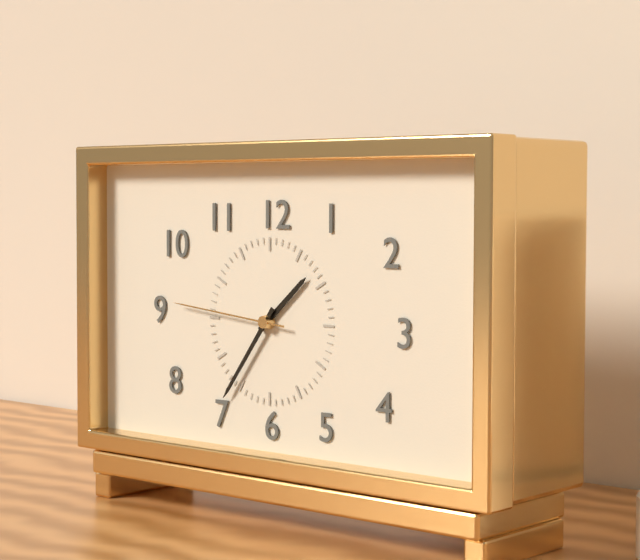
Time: {"hour": 1, "minute": 36, "second": 46}
